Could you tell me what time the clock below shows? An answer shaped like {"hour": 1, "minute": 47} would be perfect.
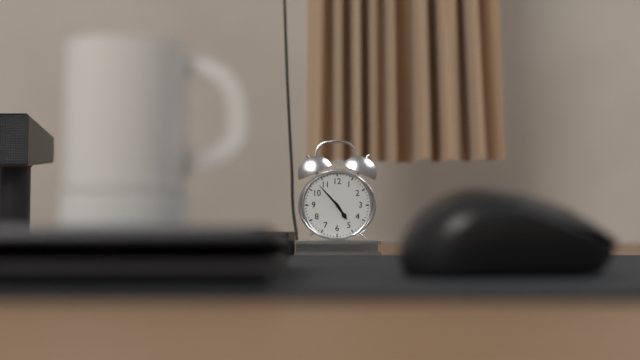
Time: {"hour": 4, "minute": 53}
